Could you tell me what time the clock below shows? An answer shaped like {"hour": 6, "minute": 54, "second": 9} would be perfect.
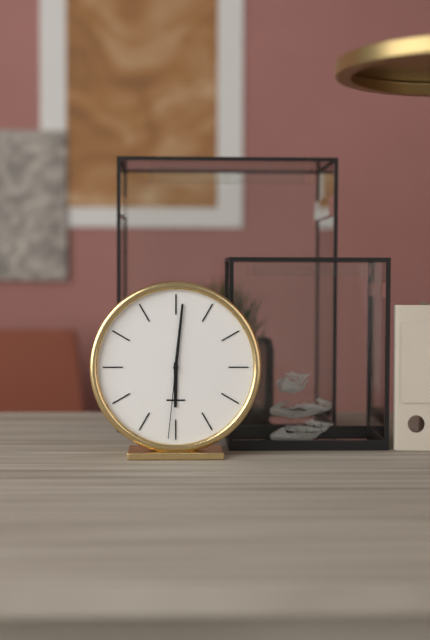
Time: {"hour": 6, "minute": 1, "second": 31}
